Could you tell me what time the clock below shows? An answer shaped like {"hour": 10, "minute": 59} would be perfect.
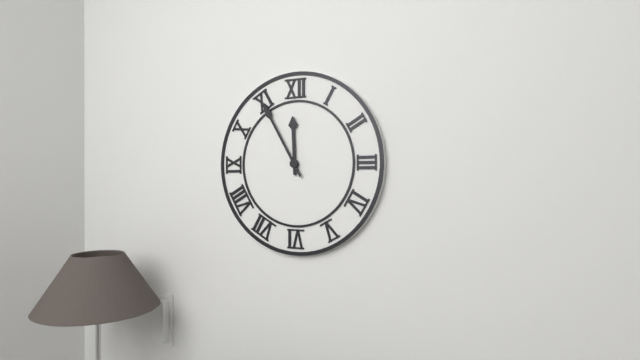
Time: {"hour": 11, "minute": 55}
